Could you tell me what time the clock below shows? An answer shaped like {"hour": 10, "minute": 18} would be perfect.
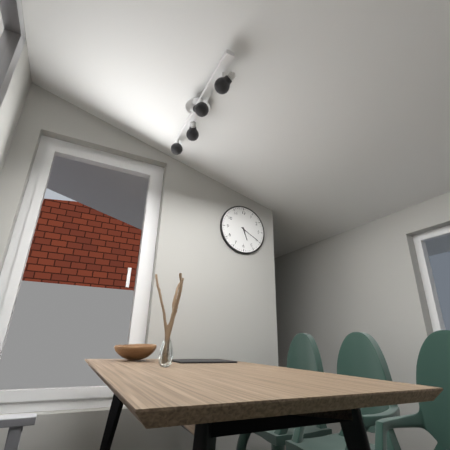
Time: {"hour": 5, "minute": 20}
